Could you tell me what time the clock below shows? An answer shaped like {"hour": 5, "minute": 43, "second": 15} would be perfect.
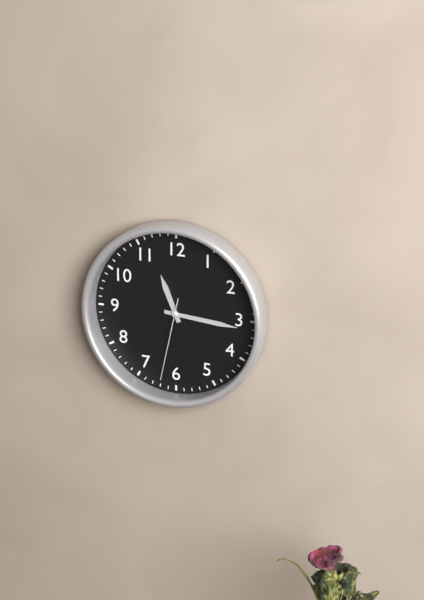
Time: {"hour": 11, "minute": 16, "second": 32}
